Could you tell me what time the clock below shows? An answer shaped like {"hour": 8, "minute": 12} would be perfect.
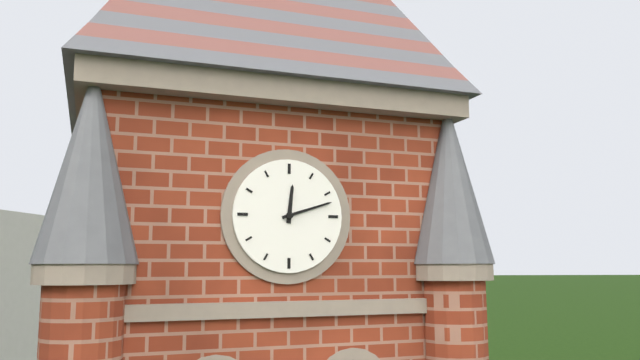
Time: {"hour": 12, "minute": 12}
